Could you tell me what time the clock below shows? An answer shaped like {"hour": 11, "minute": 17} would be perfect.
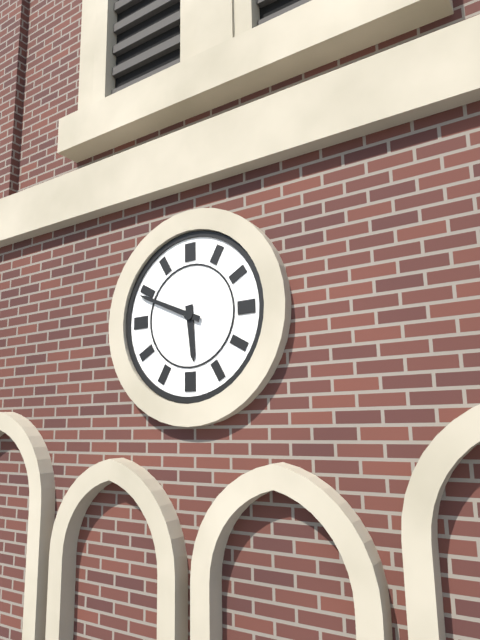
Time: {"hour": 5, "minute": 49}
